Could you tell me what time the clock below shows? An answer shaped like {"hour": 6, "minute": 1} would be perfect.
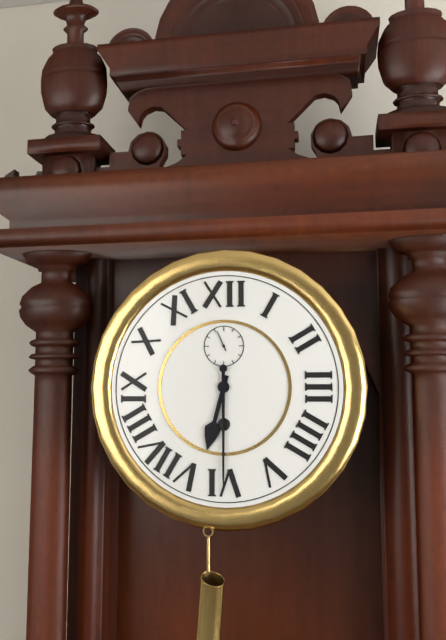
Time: {"hour": 6, "minute": 30}
